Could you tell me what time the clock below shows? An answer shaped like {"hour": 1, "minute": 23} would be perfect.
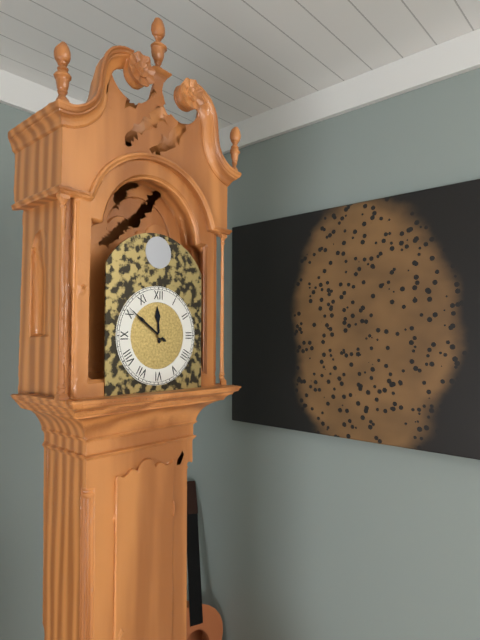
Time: {"hour": 11, "minute": 51}
